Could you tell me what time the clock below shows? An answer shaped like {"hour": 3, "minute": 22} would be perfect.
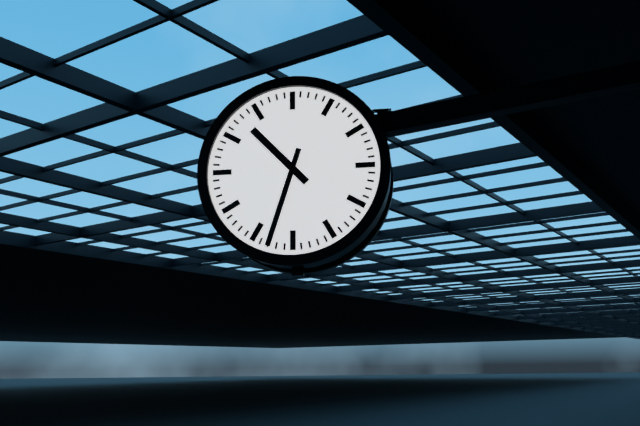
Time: {"hour": 10, "minute": 33}
